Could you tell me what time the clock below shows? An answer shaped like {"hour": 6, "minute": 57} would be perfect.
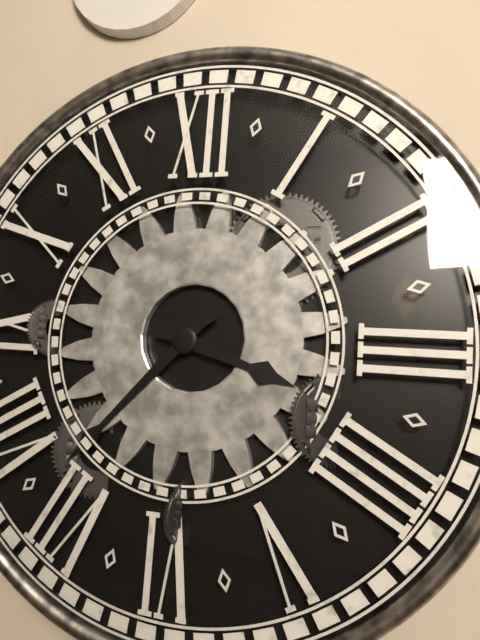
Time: {"hour": 3, "minute": 37}
